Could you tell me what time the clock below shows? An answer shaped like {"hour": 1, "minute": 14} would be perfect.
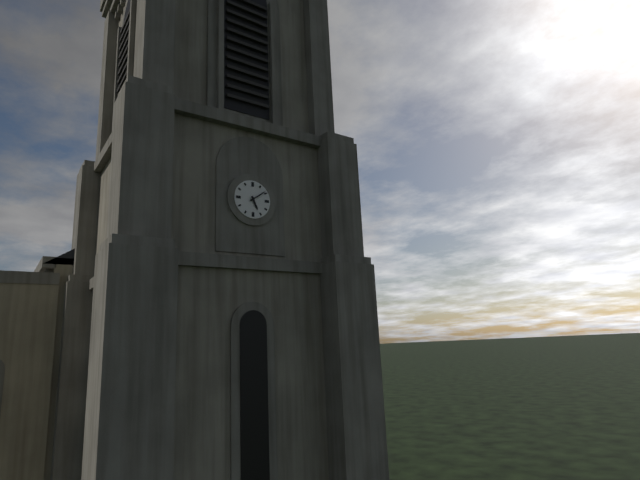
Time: {"hour": 5, "minute": 9}
